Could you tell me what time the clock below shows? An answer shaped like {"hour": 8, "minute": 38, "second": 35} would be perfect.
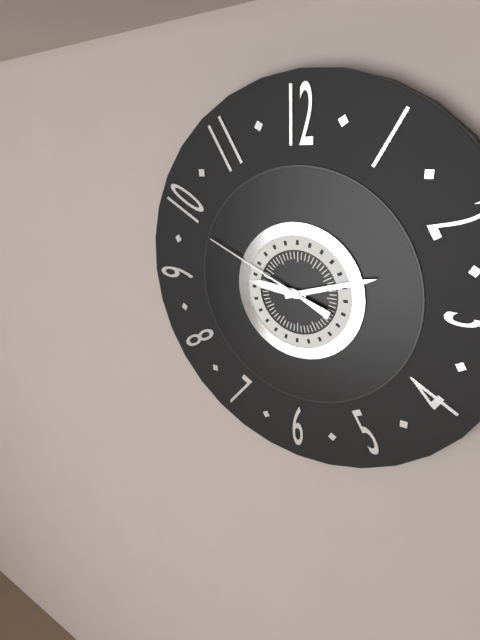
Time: {"hour": 9, "minute": 12, "second": 49}
